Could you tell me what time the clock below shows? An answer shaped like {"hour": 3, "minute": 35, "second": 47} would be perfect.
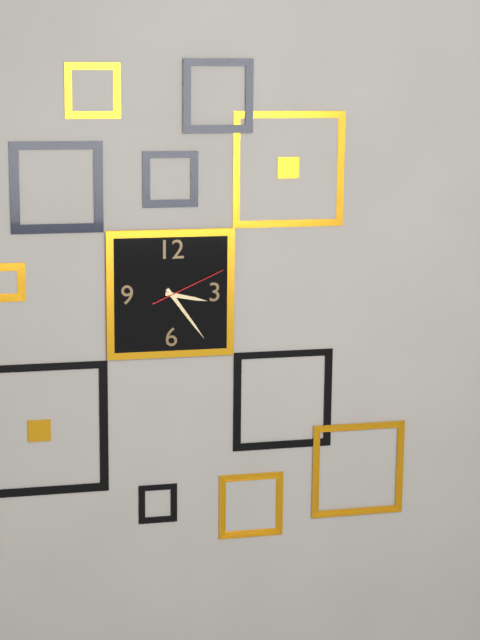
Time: {"hour": 3, "minute": 24, "second": 11}
